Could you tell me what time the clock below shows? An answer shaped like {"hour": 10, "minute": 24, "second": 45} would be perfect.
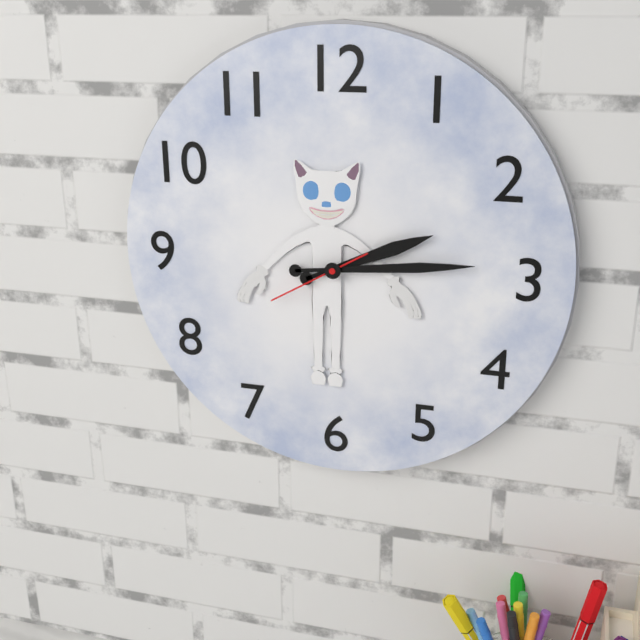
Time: {"hour": 2, "minute": 14, "second": 40}
